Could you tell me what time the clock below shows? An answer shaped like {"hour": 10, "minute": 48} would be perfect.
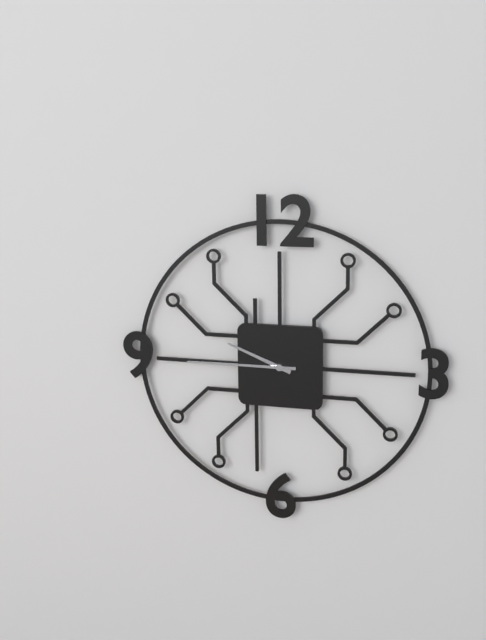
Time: {"hour": 9, "minute": 45}
